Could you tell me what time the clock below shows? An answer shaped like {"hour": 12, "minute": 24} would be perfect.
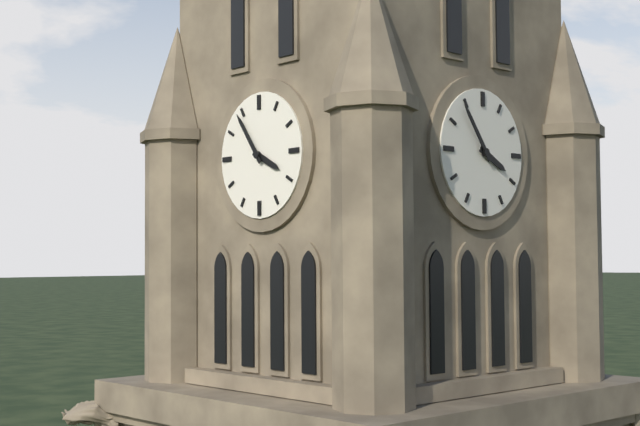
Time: {"hour": 3, "minute": 54}
